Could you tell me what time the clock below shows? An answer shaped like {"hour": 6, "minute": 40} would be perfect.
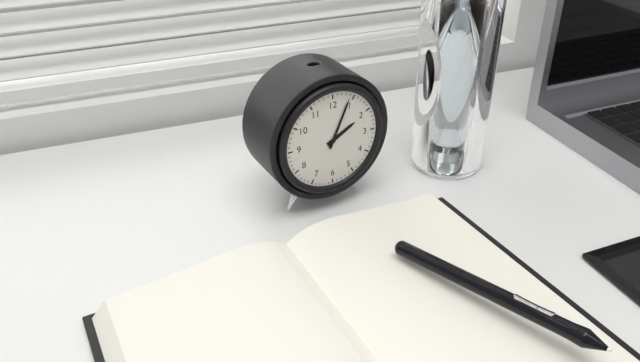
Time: {"hour": 2, "minute": 4}
